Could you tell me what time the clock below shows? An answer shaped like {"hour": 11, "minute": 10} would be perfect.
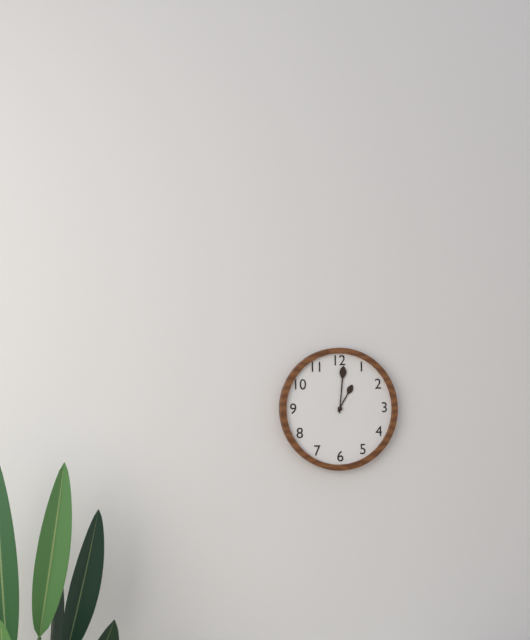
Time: {"hour": 1, "minute": 1}
